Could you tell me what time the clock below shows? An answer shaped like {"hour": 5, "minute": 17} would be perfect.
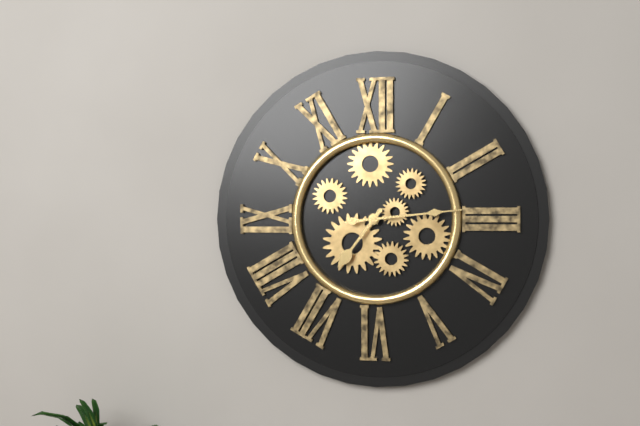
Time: {"hour": 7, "minute": 14}
